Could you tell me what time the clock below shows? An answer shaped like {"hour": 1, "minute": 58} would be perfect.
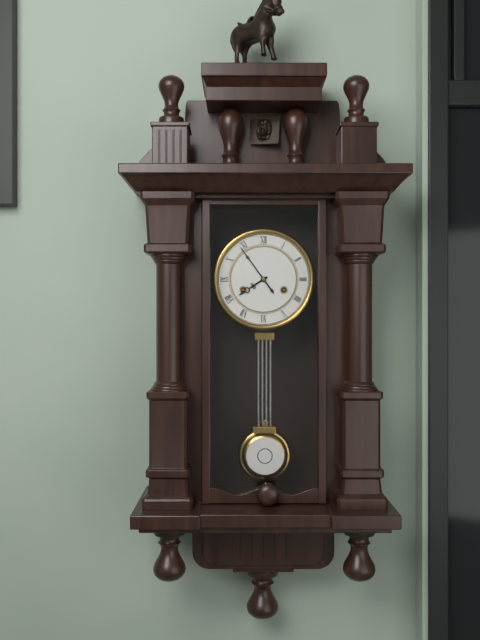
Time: {"hour": 7, "minute": 54}
